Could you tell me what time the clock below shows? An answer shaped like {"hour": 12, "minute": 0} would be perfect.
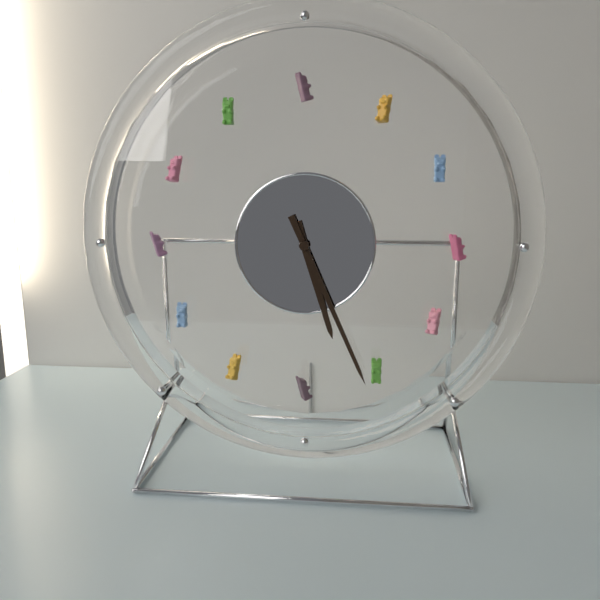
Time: {"hour": 5, "minute": 26}
